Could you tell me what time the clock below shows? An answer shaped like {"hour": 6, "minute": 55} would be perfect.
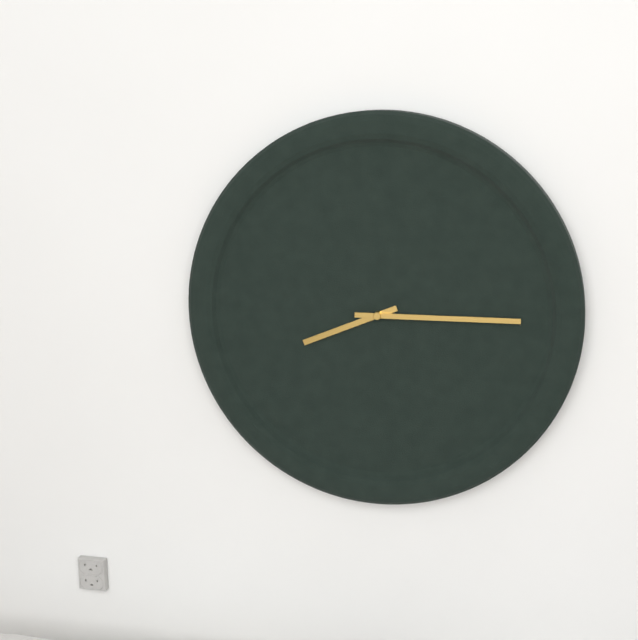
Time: {"hour": 8, "minute": 15}
